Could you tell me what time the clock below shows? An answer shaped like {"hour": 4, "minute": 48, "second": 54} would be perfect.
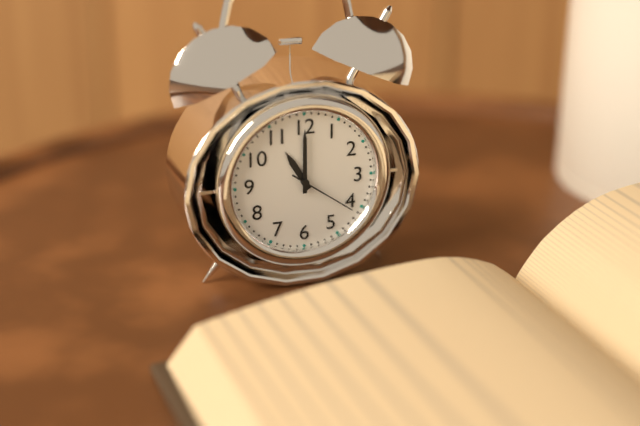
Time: {"hour": 11, "minute": 0, "second": 21}
